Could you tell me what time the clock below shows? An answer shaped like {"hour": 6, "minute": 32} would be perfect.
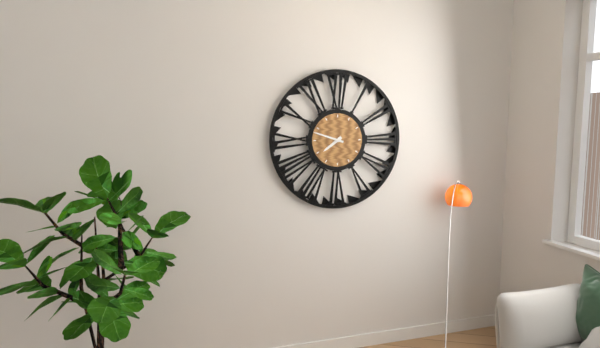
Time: {"hour": 7, "minute": 48}
